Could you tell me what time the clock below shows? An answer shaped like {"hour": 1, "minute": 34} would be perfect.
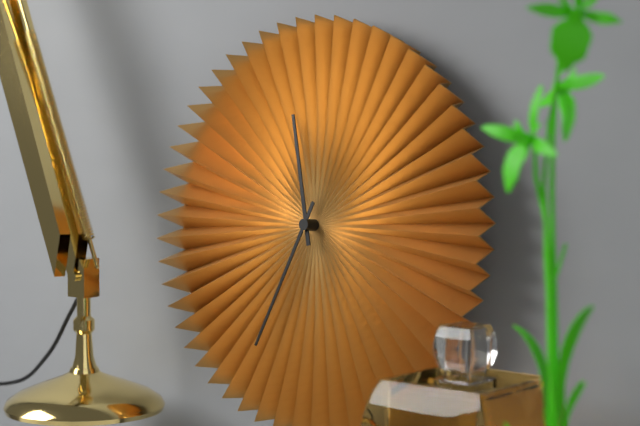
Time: {"hour": 11, "minute": 34}
